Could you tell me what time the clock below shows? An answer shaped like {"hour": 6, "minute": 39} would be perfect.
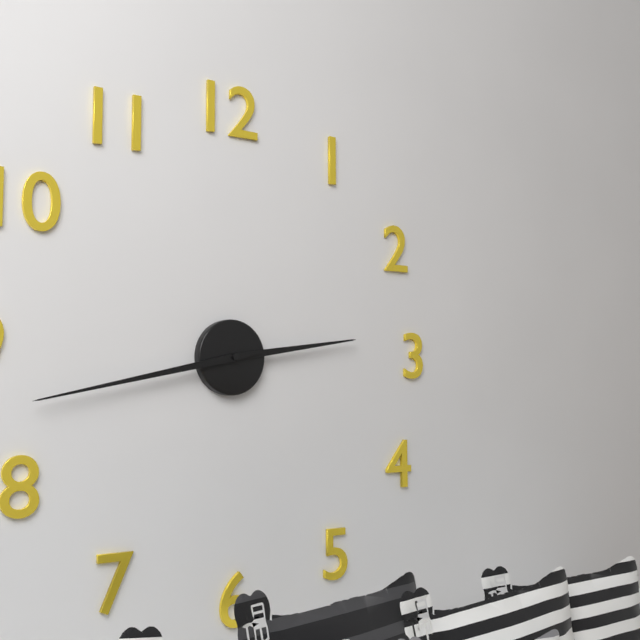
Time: {"hour": 2, "minute": 43}
